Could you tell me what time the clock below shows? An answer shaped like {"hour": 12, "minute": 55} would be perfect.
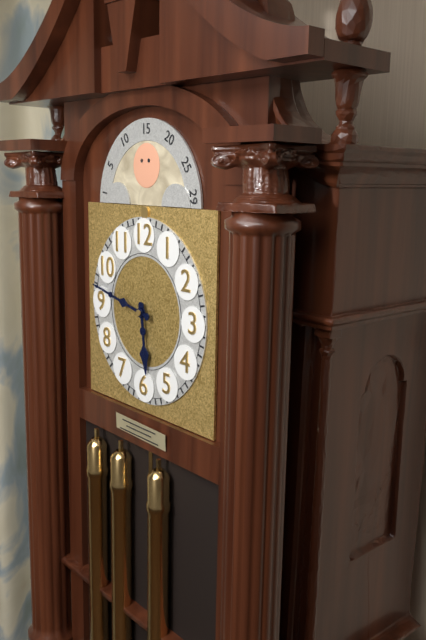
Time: {"hour": 5, "minute": 47}
